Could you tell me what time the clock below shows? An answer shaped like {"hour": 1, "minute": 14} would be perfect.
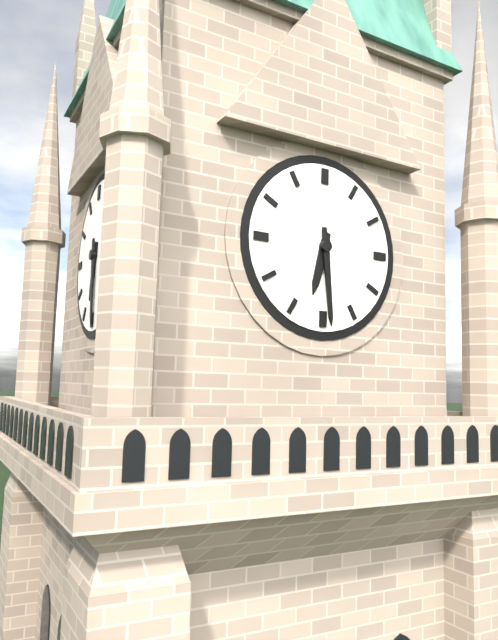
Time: {"hour": 6, "minute": 29}
